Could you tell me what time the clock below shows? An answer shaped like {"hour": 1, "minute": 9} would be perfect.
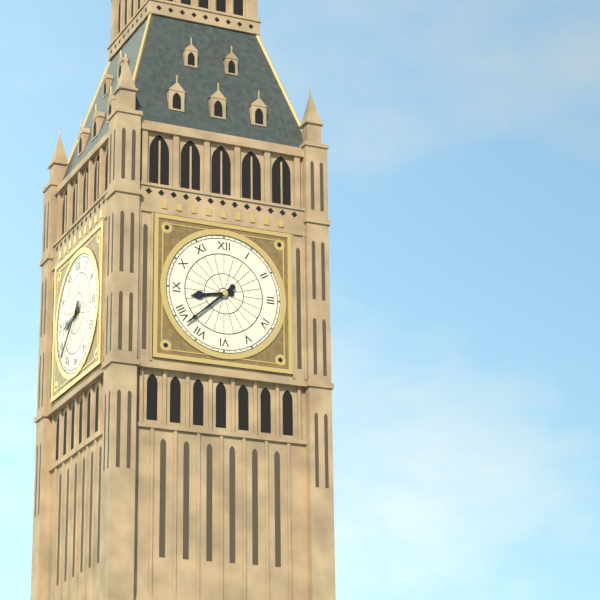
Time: {"hour": 8, "minute": 38}
